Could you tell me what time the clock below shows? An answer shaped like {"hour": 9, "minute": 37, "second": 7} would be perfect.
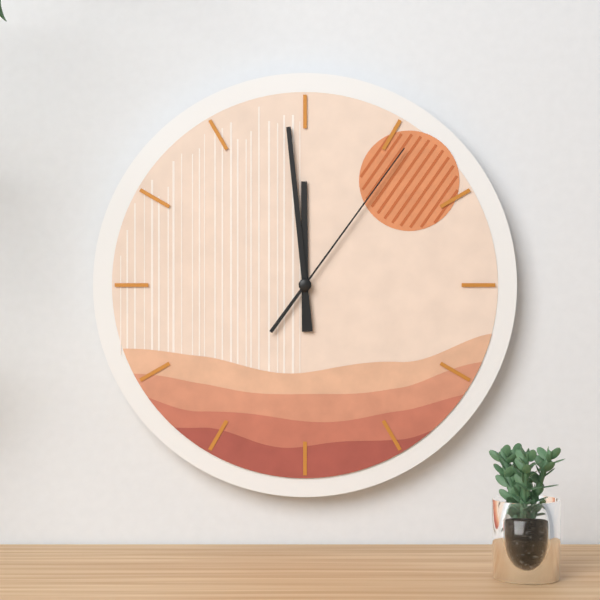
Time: {"hour": 11, "minute": 59, "second": 6}
